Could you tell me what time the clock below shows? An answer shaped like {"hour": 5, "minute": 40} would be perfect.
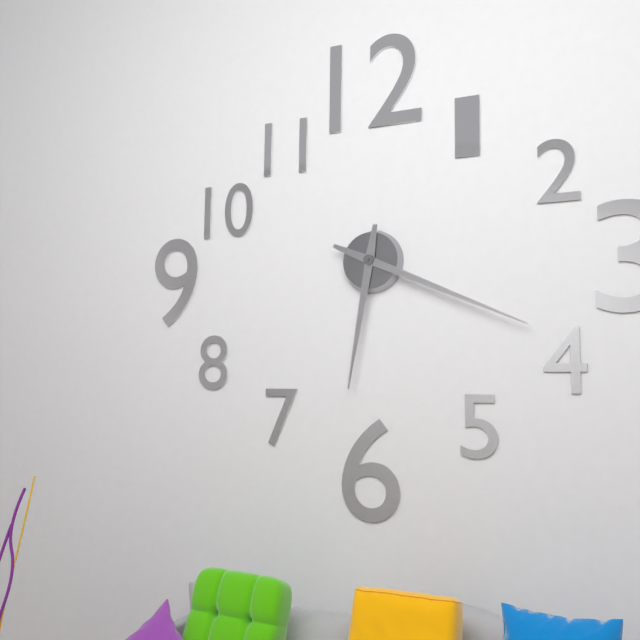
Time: {"hour": 6, "minute": 19}
